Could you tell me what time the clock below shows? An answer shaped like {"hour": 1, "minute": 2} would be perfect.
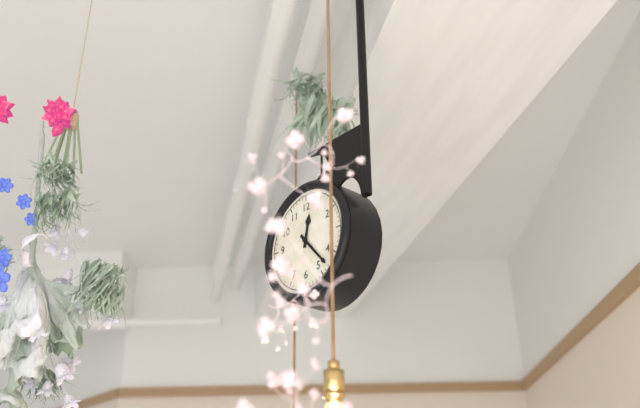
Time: {"hour": 12, "minute": 23}
